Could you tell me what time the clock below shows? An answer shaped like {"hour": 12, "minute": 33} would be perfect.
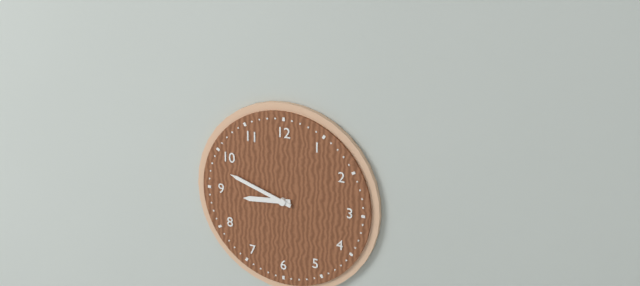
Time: {"hour": 8, "minute": 48}
